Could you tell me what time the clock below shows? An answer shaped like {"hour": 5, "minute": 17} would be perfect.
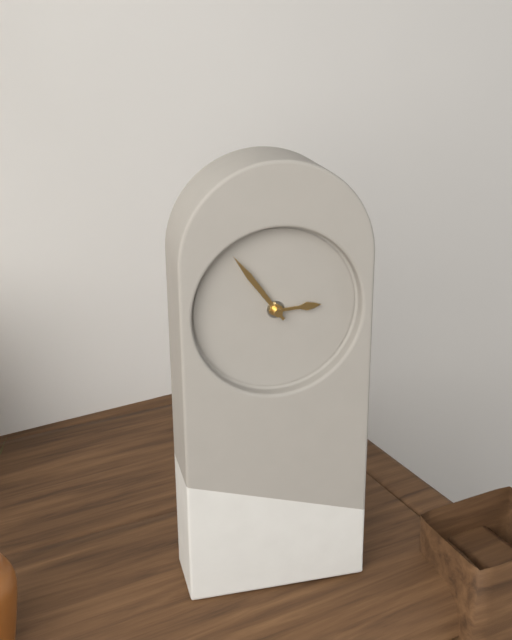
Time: {"hour": 2, "minute": 54}
